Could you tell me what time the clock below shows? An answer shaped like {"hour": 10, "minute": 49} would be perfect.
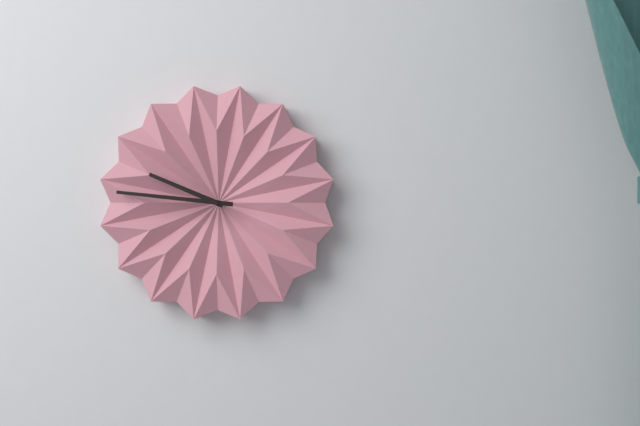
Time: {"hour": 9, "minute": 46}
